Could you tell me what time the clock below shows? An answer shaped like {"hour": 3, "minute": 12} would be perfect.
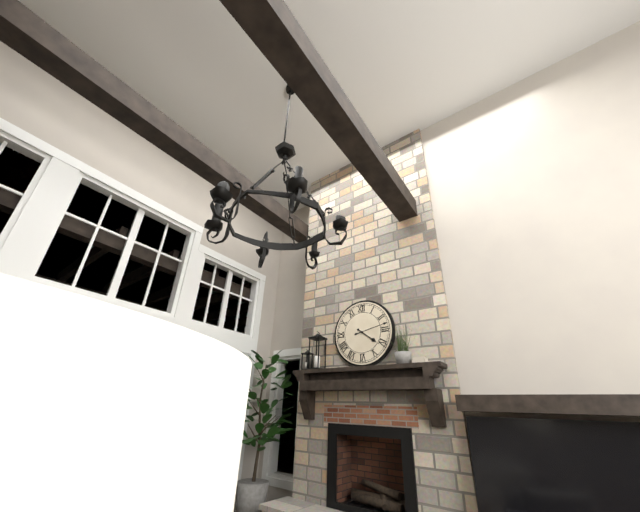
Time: {"hour": 4, "minute": 13}
